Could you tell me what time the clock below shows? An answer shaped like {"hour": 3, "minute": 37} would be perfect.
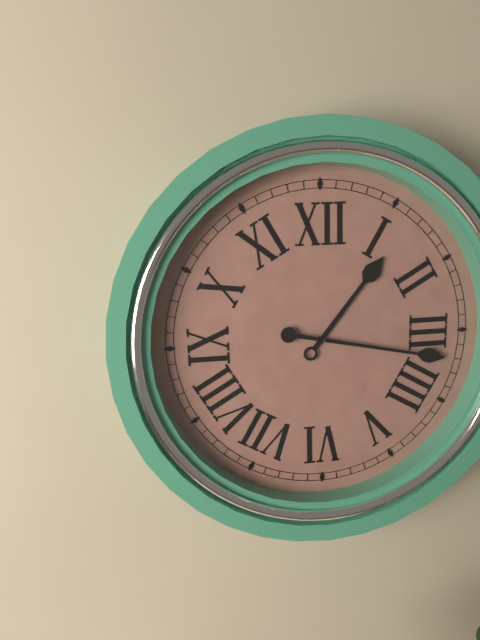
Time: {"hour": 1, "minute": 17}
